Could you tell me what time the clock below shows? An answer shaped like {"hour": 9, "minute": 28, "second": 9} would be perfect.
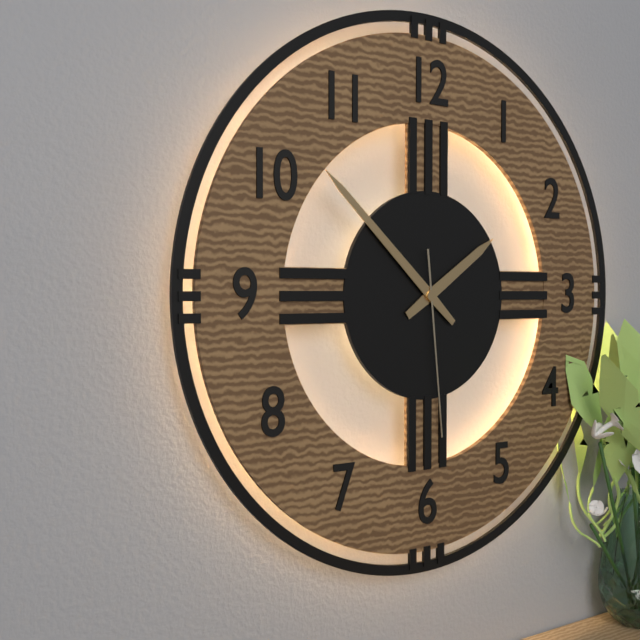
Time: {"hour": 1, "minute": 52, "second": 29}
